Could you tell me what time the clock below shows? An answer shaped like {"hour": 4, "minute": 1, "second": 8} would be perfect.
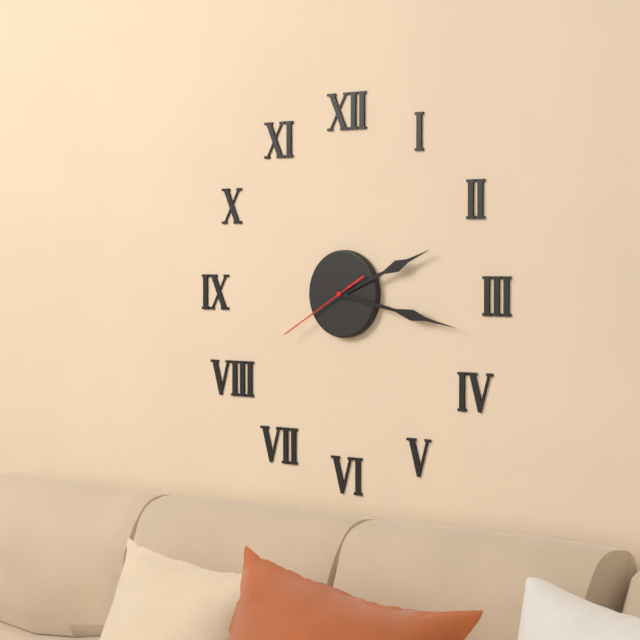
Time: {"hour": 2, "minute": 17, "second": 40}
